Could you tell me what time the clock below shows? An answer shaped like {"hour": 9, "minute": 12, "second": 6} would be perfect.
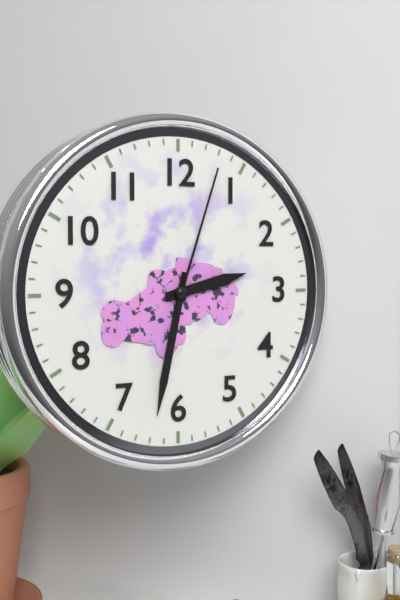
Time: {"hour": 2, "minute": 32, "second": 3}
